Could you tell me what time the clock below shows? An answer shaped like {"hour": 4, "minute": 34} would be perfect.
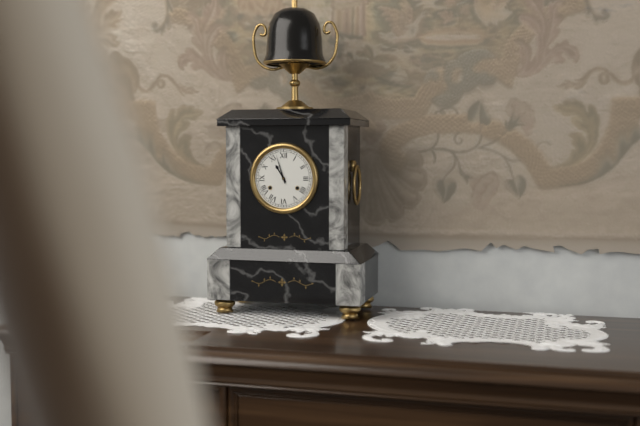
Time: {"hour": 10, "minute": 57}
